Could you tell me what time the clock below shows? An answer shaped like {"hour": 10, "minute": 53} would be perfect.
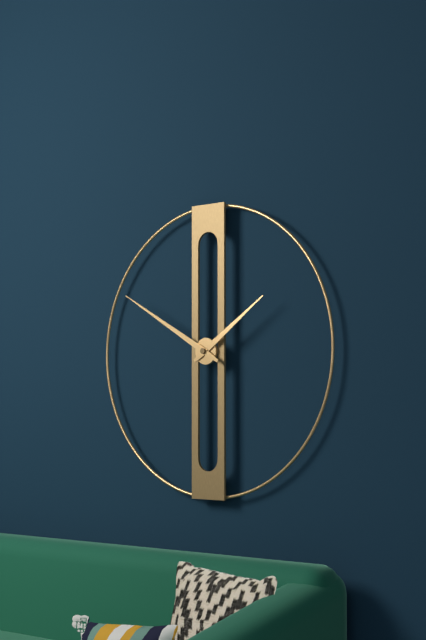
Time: {"hour": 1, "minute": 50}
